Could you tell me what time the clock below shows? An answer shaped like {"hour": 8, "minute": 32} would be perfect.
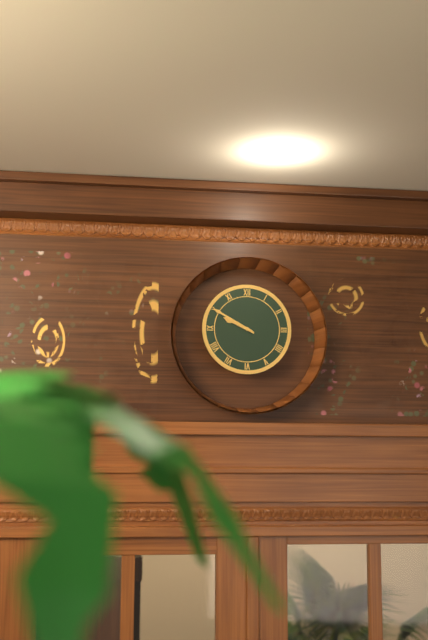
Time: {"hour": 9, "minute": 50}
